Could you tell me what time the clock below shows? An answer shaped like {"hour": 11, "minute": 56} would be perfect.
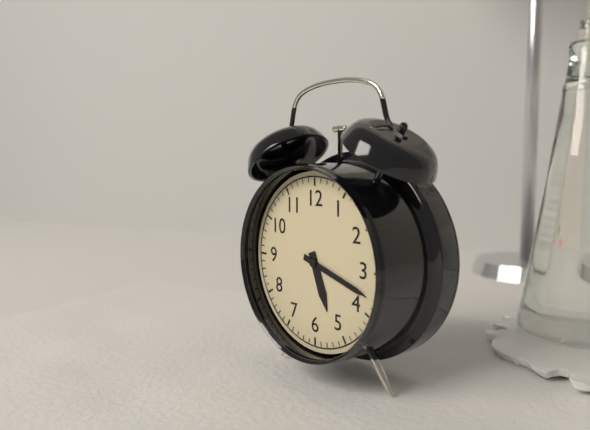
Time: {"hour": 5, "minute": 18}
